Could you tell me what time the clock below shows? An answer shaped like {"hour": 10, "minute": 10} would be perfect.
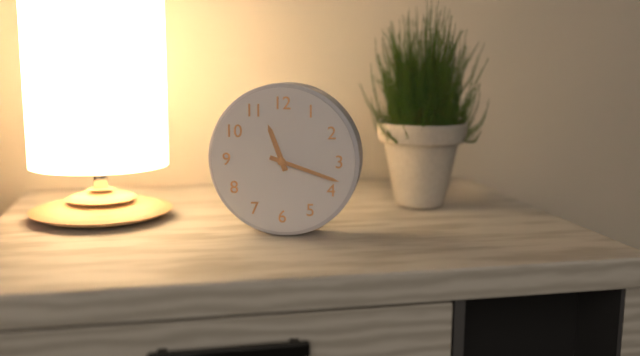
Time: {"hour": 11, "minute": 18}
